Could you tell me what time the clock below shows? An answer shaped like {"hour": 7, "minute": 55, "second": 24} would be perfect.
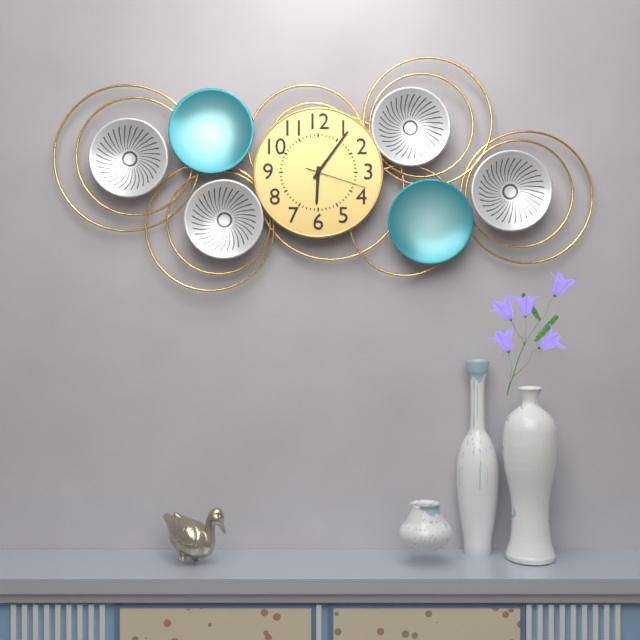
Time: {"hour": 6, "minute": 6, "second": 18}
